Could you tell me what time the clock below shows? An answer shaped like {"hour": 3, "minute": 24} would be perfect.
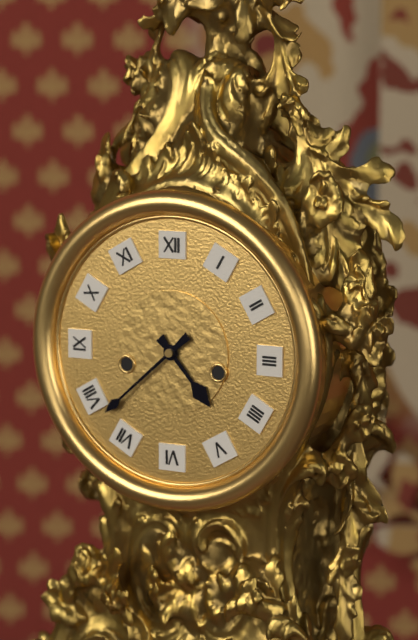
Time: {"hour": 4, "minute": 38}
